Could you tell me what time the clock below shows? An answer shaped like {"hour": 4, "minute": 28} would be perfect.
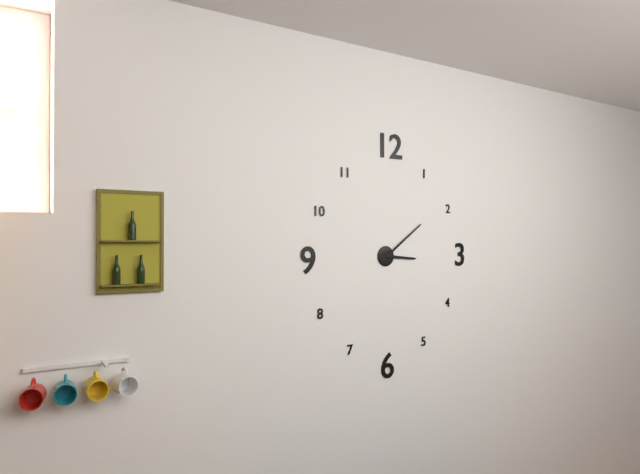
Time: {"hour": 3, "minute": 9}
